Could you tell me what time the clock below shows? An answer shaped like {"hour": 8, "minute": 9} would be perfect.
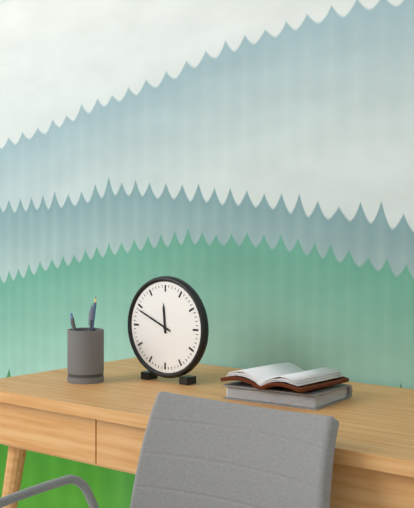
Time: {"hour": 11, "minute": 49}
